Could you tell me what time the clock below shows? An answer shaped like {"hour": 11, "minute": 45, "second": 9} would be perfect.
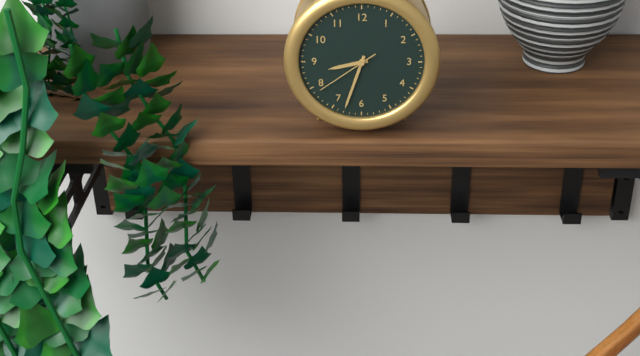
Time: {"hour": 8, "minute": 33, "second": 39}
